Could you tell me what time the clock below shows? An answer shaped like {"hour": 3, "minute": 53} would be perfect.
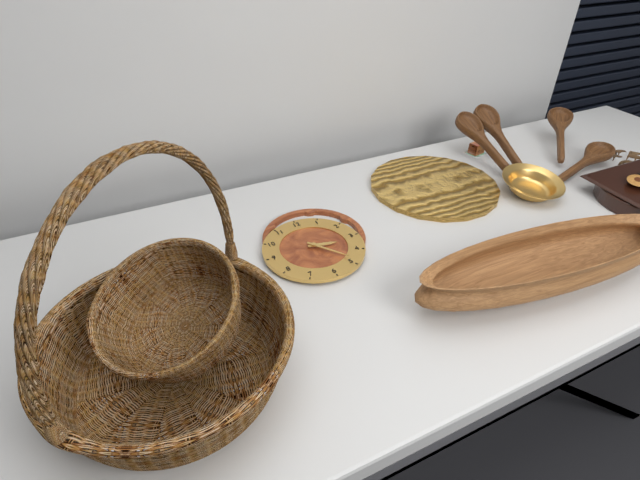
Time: {"hour": 3, "minute": 24}
